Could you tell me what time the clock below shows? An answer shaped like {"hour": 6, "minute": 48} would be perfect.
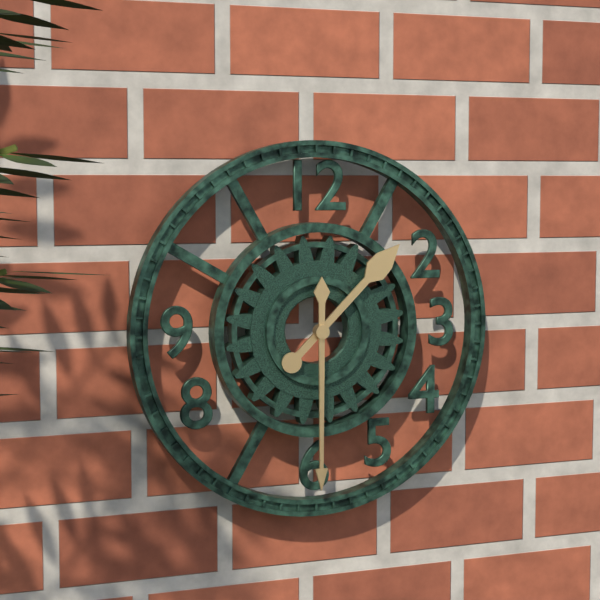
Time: {"hour": 1, "minute": 30}
